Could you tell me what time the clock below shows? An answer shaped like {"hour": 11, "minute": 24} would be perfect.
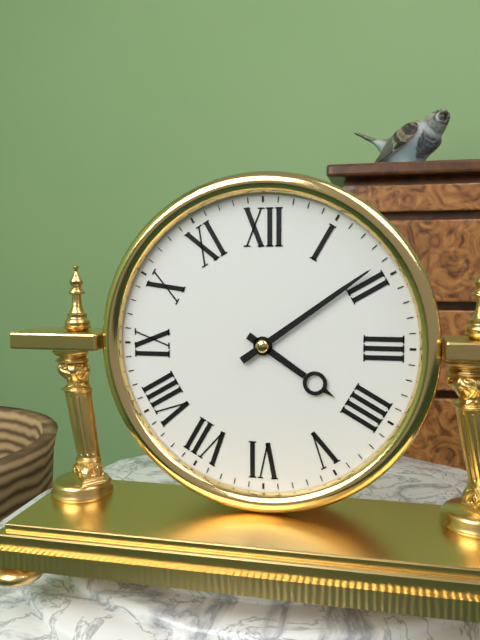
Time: {"hour": 4, "minute": 9}
